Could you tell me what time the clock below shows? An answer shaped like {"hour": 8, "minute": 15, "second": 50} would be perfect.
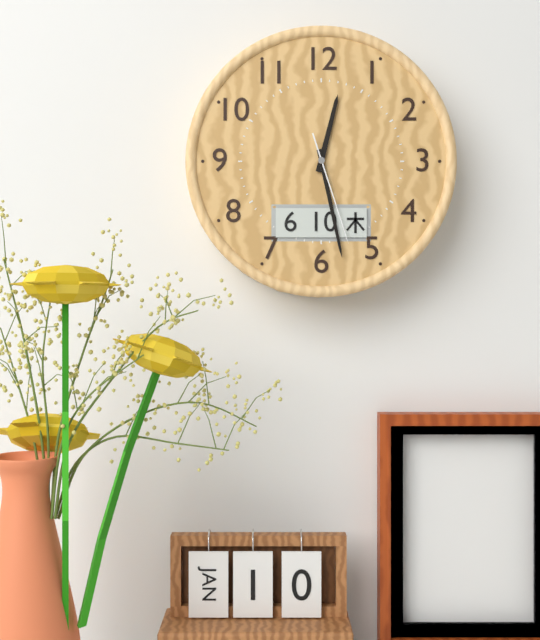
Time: {"hour": 12, "minute": 28, "second": 27}
